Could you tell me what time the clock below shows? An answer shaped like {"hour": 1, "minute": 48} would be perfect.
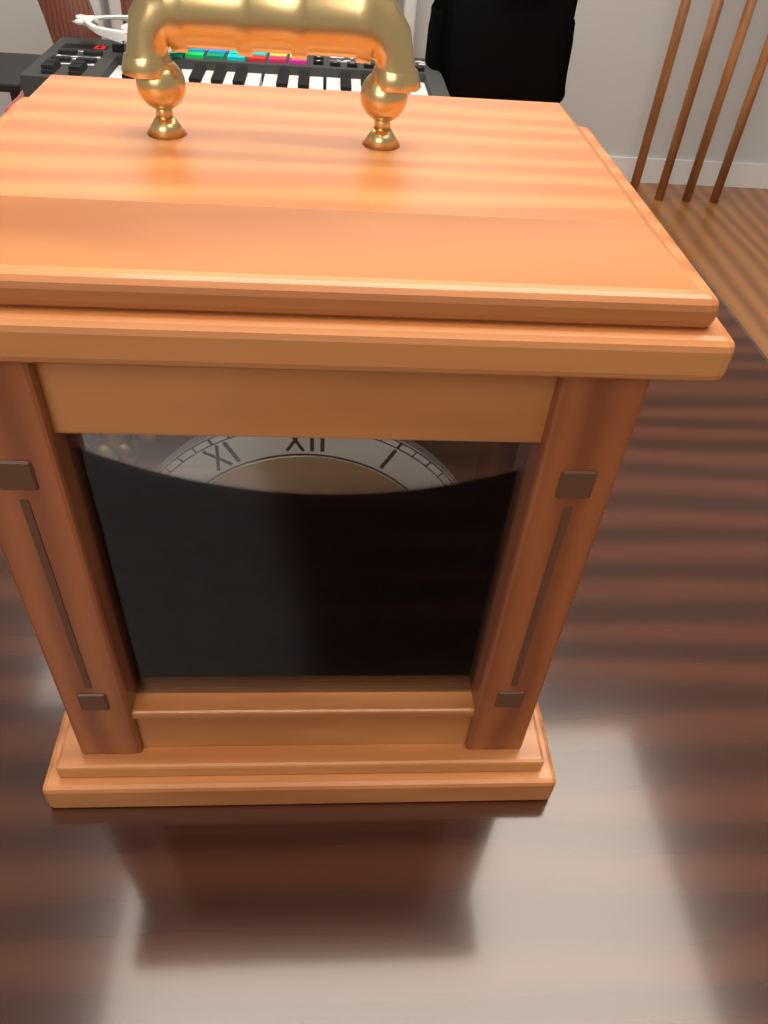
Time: {"hour": 10, "minute": 45}
